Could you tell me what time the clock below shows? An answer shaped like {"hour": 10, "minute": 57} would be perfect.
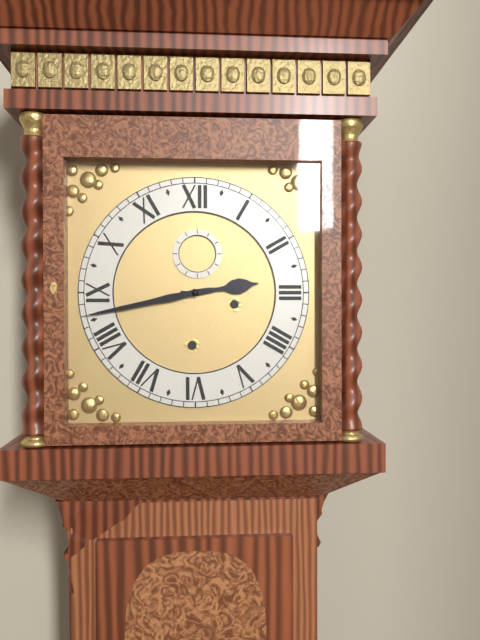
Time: {"hour": 2, "minute": 43}
